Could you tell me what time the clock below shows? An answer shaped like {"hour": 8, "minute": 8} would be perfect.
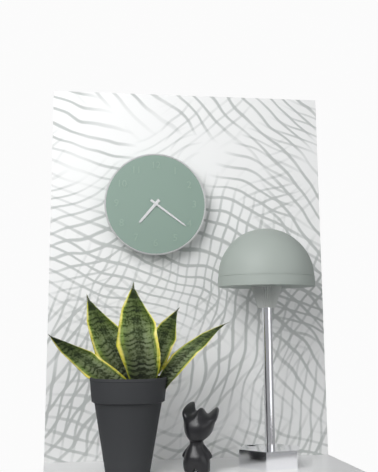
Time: {"hour": 7, "minute": 21}
